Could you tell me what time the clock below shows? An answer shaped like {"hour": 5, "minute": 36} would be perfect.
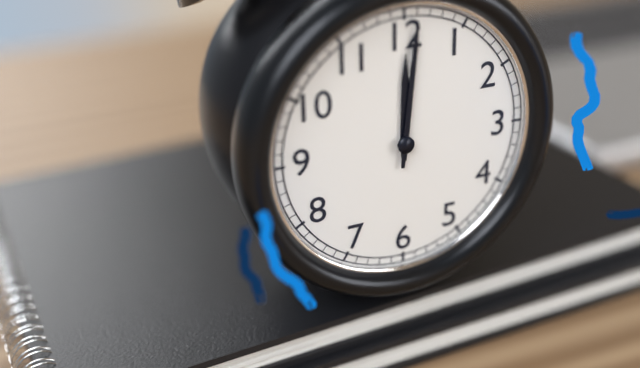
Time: {"hour": 12, "minute": 1}
